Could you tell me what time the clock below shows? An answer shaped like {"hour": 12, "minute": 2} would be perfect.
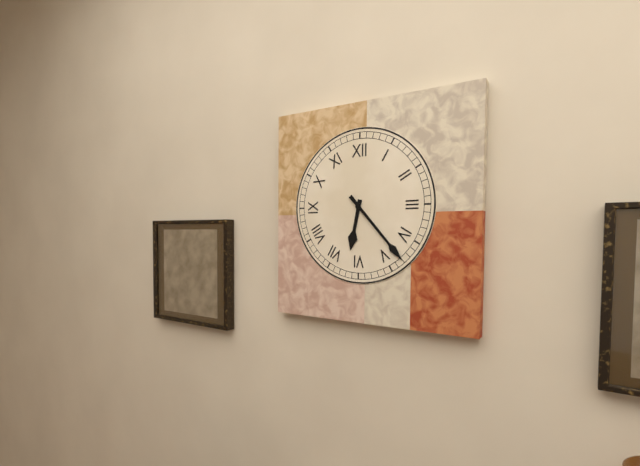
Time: {"hour": 6, "minute": 23}
